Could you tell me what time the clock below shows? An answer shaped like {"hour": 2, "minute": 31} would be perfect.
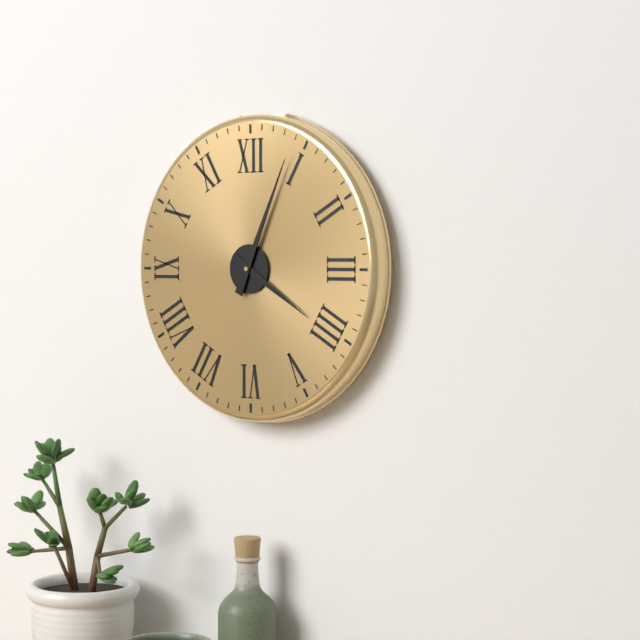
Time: {"hour": 4, "minute": 4}
